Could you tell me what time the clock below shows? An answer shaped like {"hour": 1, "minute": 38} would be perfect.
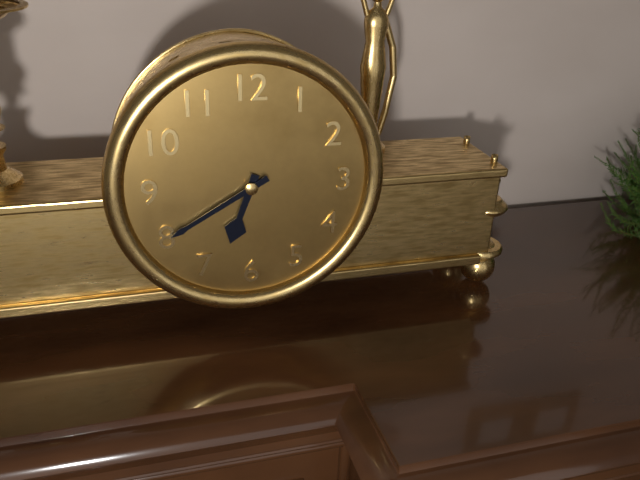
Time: {"hour": 6, "minute": 40}
